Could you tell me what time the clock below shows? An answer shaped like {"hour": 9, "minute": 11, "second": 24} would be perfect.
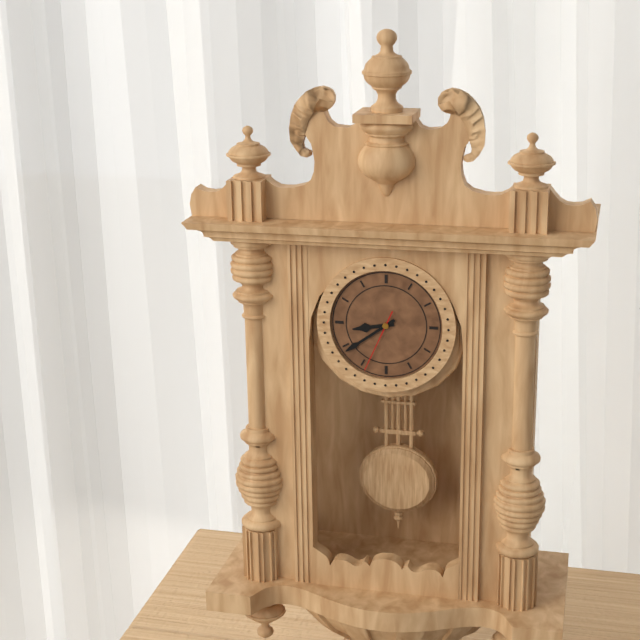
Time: {"hour": 8, "minute": 39, "second": 34}
